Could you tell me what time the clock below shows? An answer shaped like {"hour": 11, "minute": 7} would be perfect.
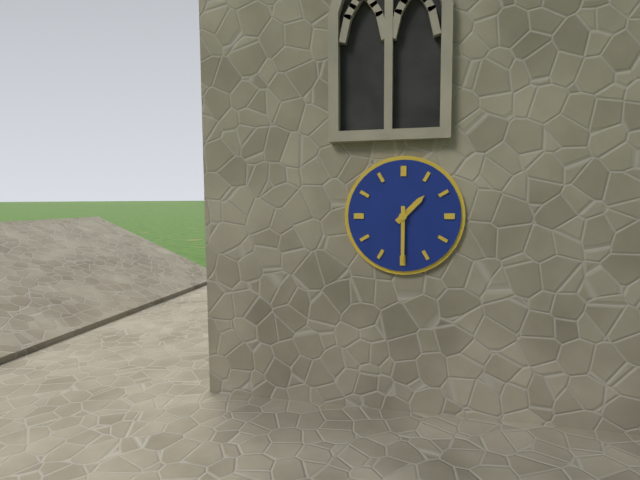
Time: {"hour": 1, "minute": 30}
